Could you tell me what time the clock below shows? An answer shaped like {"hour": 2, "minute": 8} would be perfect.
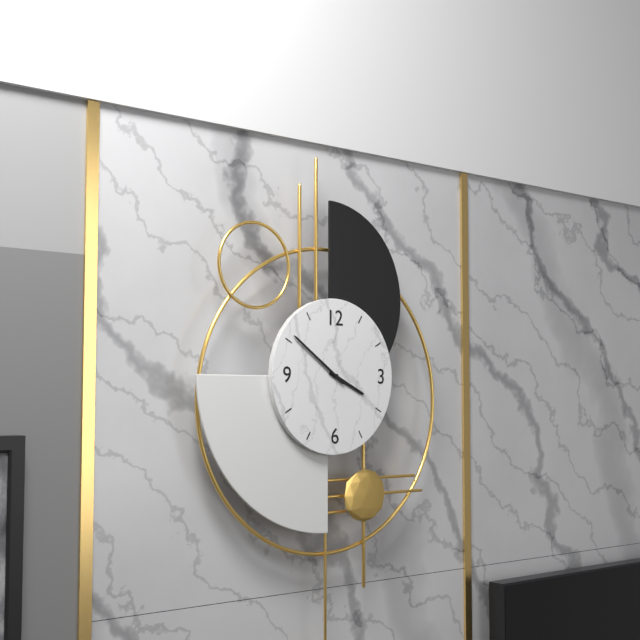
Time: {"hour": 3, "minute": 51}
